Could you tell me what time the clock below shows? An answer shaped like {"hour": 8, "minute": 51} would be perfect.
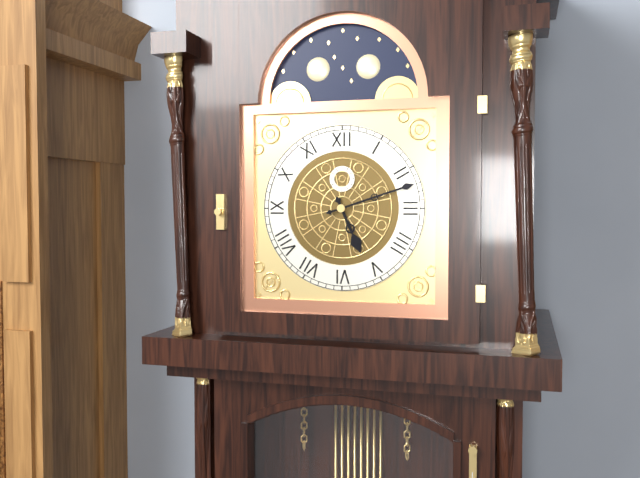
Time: {"hour": 5, "minute": 12}
